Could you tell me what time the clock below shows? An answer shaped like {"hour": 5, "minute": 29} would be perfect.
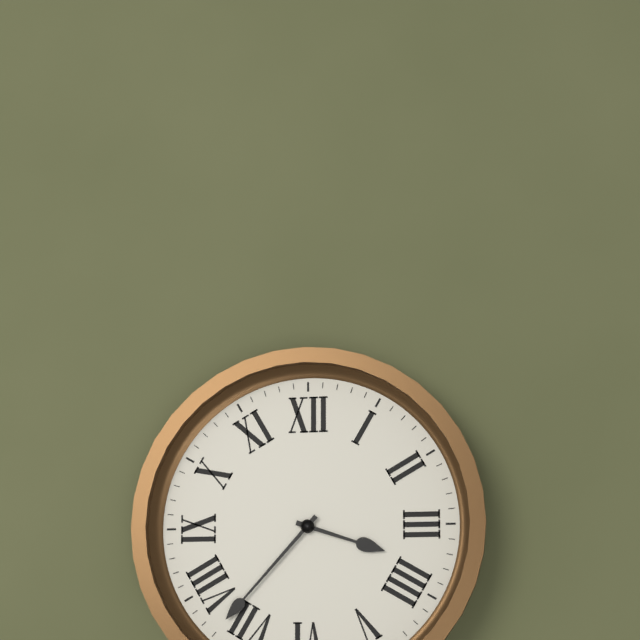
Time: {"hour": 3, "minute": 37}
